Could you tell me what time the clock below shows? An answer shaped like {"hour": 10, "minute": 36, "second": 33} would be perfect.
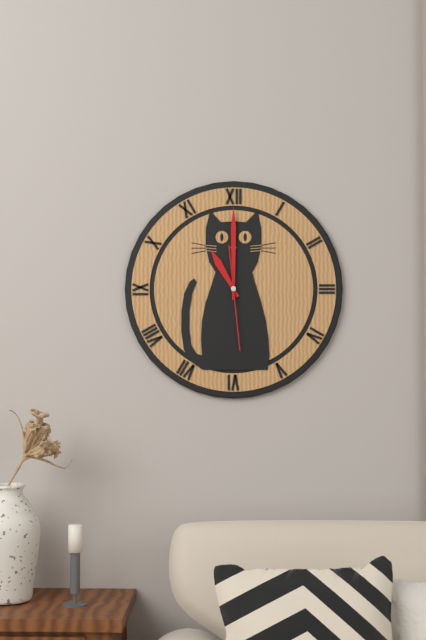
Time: {"hour": 11, "minute": 0, "second": 29}
